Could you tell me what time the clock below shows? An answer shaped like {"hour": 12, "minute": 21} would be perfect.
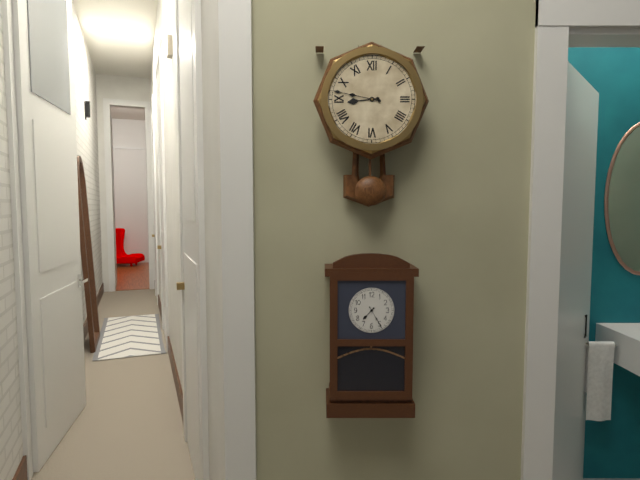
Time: {"hour": 8, "minute": 47}
